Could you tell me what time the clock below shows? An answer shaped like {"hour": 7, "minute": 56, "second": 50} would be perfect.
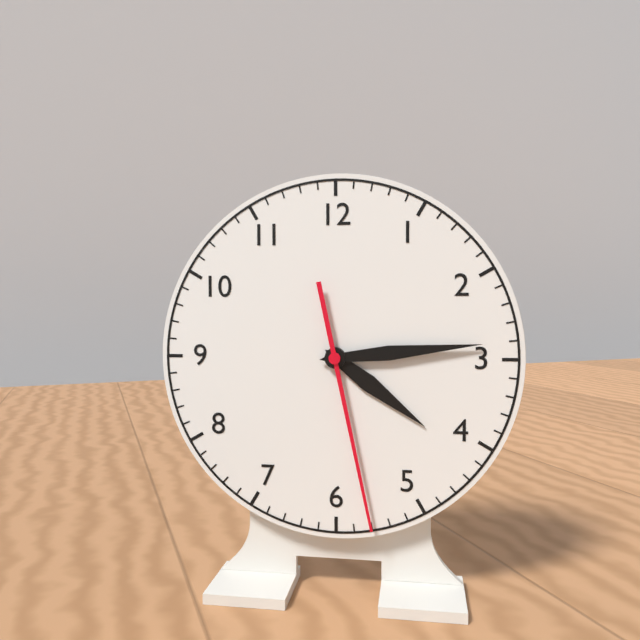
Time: {"hour": 4, "minute": 14, "second": 28}
